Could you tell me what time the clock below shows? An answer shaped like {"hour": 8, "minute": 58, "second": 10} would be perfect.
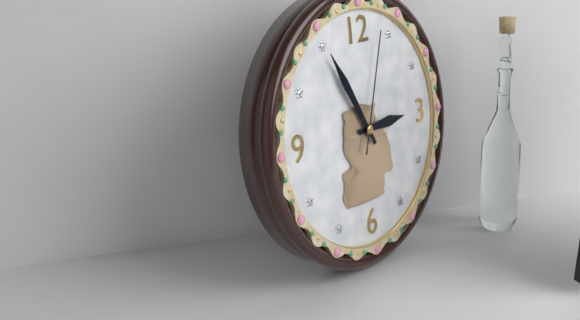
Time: {"hour": 2, "minute": 55, "second": 3}
